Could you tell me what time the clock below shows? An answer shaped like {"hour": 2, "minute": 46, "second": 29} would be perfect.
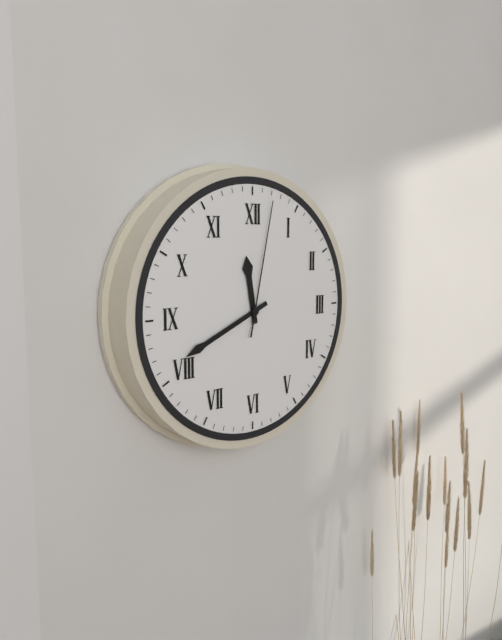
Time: {"hour": 11, "minute": 41, "second": 2}
